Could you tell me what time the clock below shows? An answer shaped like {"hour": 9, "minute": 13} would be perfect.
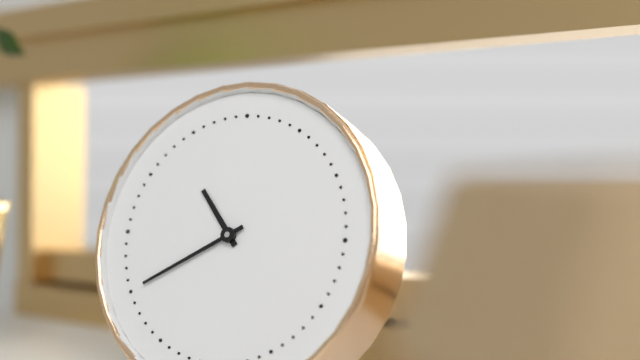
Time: {"hour": 10, "minute": 40}
